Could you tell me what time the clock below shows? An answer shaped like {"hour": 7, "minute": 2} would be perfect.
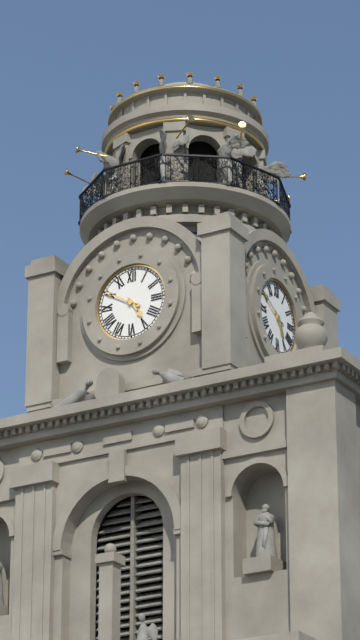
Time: {"hour": 4, "minute": 50}
